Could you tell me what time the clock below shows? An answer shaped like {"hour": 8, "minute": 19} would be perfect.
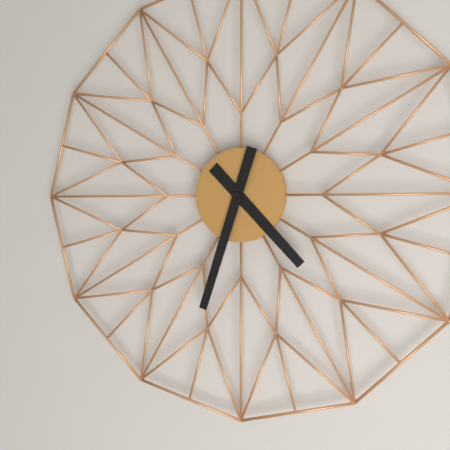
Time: {"hour": 4, "minute": 33}
